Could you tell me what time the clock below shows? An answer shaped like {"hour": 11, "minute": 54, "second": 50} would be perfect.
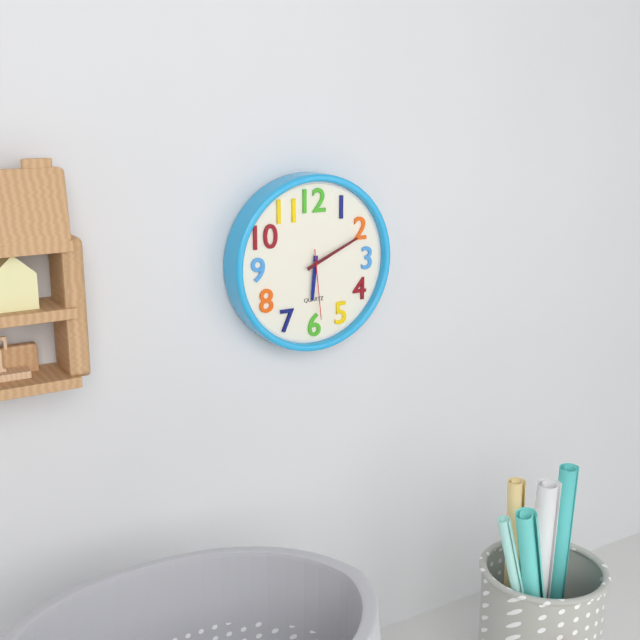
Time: {"hour": 6, "minute": 11, "second": 29}
